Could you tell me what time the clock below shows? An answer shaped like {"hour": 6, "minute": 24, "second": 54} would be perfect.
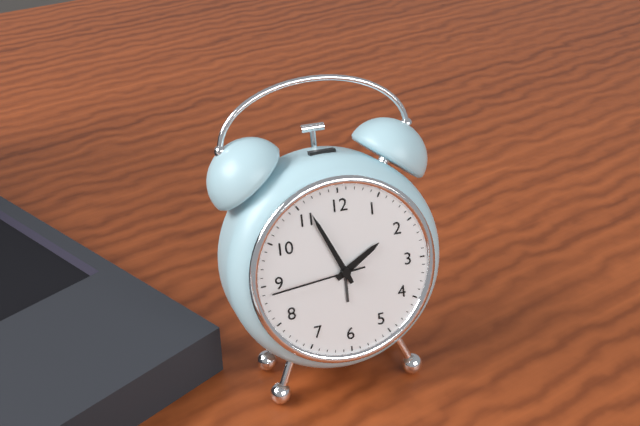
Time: {"hour": 1, "minute": 56, "second": 44}
